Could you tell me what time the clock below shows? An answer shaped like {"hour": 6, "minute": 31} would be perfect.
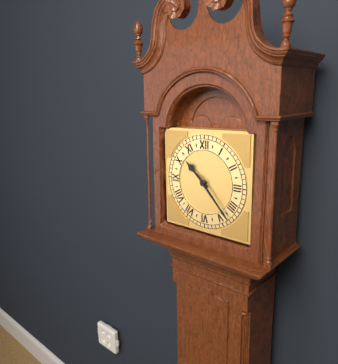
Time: {"hour": 10, "minute": 23}
